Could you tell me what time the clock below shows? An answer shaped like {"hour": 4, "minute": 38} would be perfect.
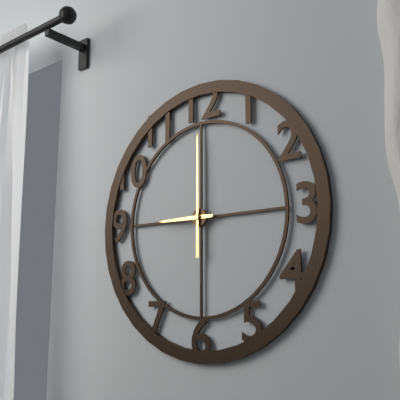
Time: {"hour": 9, "minute": 0}
